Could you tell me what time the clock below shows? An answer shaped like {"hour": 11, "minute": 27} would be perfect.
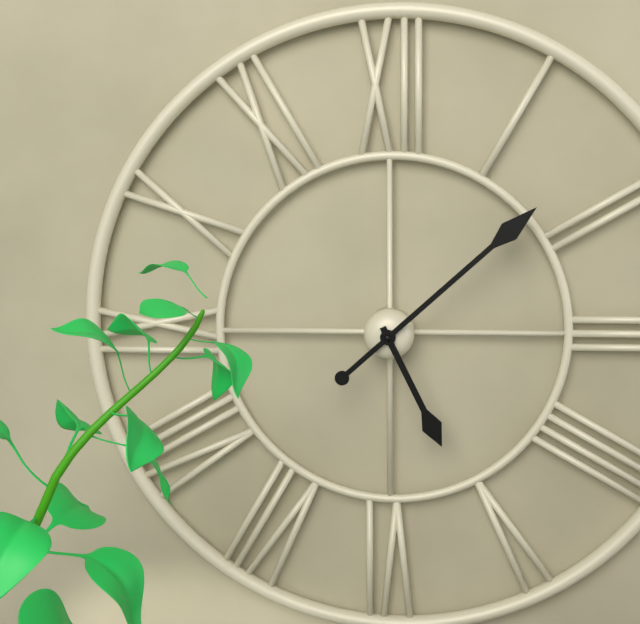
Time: {"hour": 5, "minute": 8}
